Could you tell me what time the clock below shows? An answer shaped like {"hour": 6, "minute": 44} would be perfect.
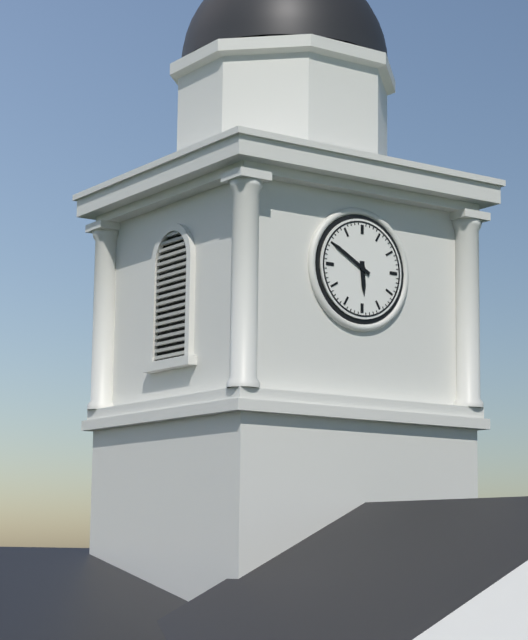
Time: {"hour": 5, "minute": 50}
